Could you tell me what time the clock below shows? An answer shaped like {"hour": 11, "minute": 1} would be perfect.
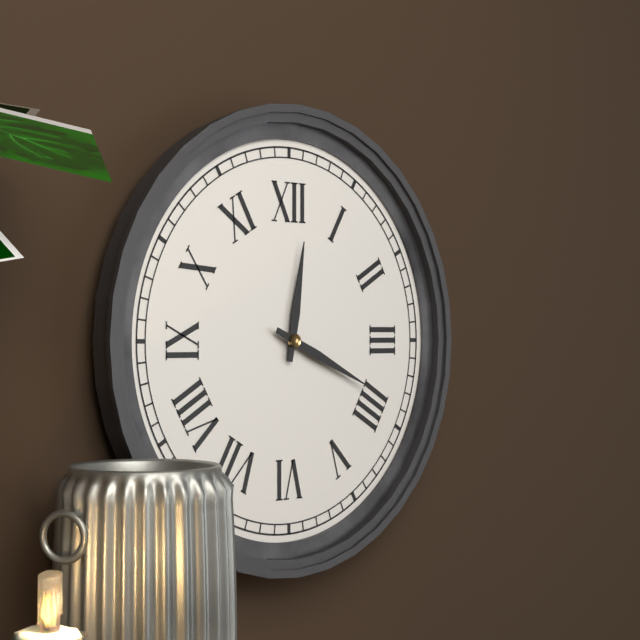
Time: {"hour": 12, "minute": 19}
